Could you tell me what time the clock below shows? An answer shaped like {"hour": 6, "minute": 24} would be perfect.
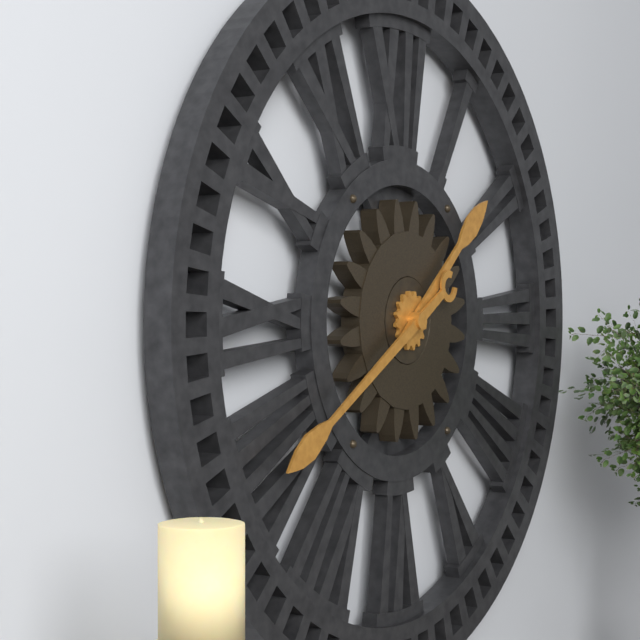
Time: {"hour": 1, "minute": 40}
